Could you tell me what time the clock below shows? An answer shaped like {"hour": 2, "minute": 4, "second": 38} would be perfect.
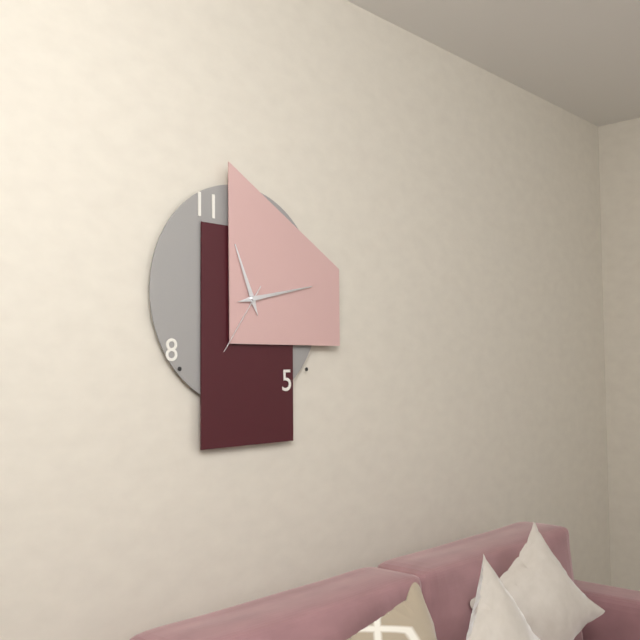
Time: {"hour": 11, "minute": 13, "second": 36}
